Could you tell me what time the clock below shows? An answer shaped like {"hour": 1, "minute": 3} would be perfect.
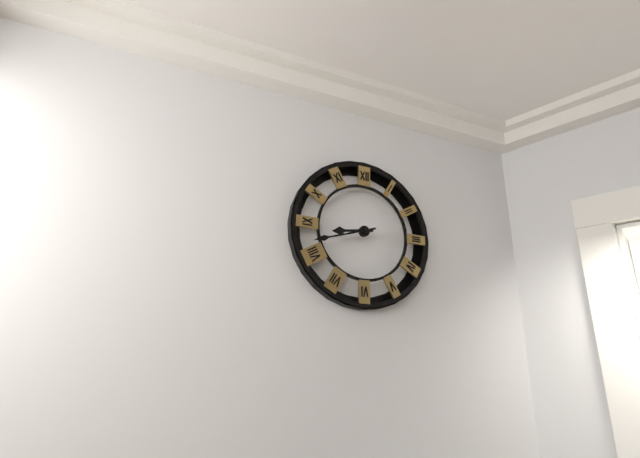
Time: {"hour": 8, "minute": 42}
